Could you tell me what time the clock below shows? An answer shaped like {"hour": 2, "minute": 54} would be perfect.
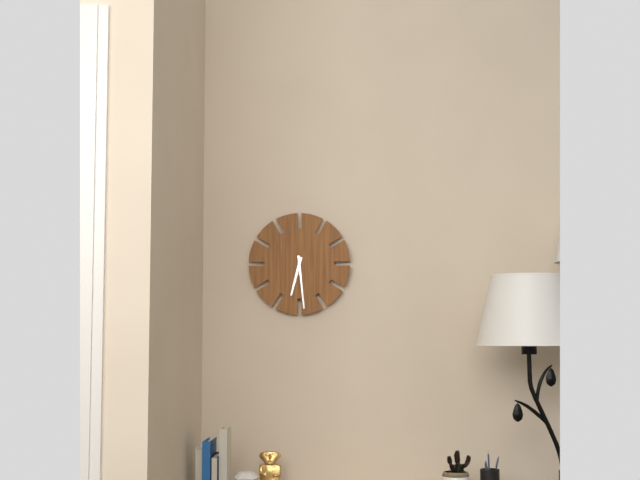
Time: {"hour": 6, "minute": 29}
